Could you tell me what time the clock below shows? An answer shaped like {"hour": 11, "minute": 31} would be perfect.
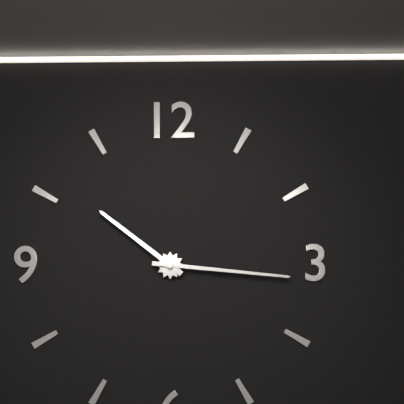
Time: {"hour": 10, "minute": 16}
